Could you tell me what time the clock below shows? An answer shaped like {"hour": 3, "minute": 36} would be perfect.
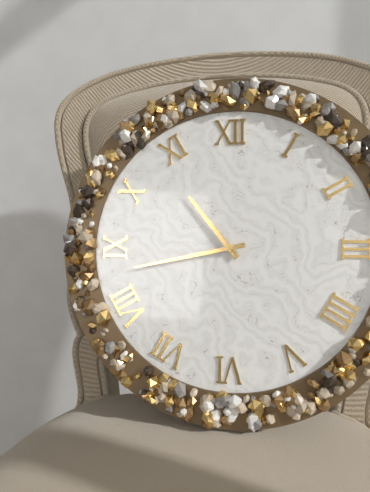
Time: {"hour": 10, "minute": 43}
